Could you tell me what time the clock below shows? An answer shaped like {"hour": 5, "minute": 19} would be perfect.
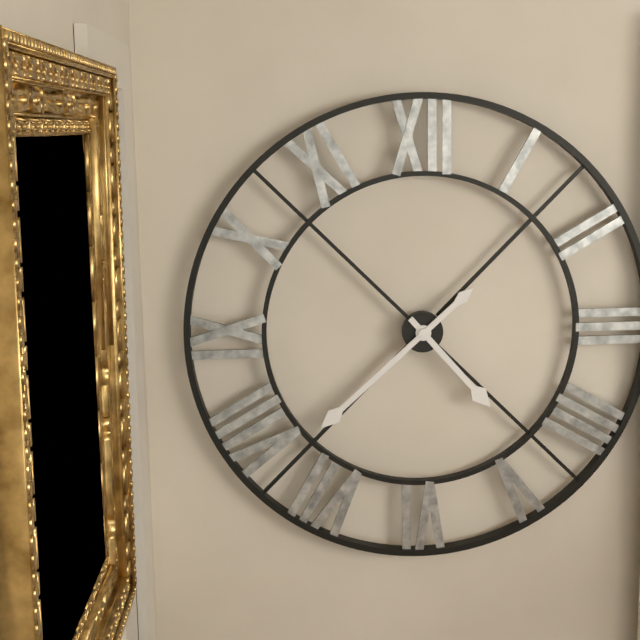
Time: {"hour": 4, "minute": 38}
